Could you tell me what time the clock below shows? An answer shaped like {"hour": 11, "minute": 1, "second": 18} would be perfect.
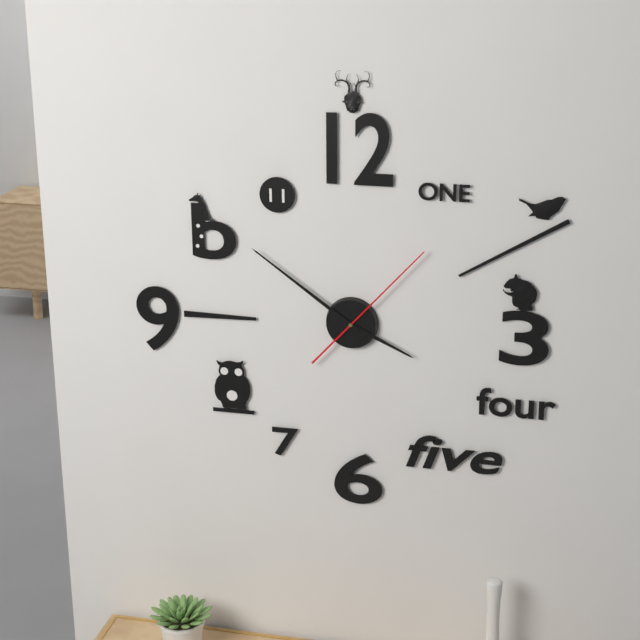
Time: {"hour": 3, "minute": 51, "second": 7}
